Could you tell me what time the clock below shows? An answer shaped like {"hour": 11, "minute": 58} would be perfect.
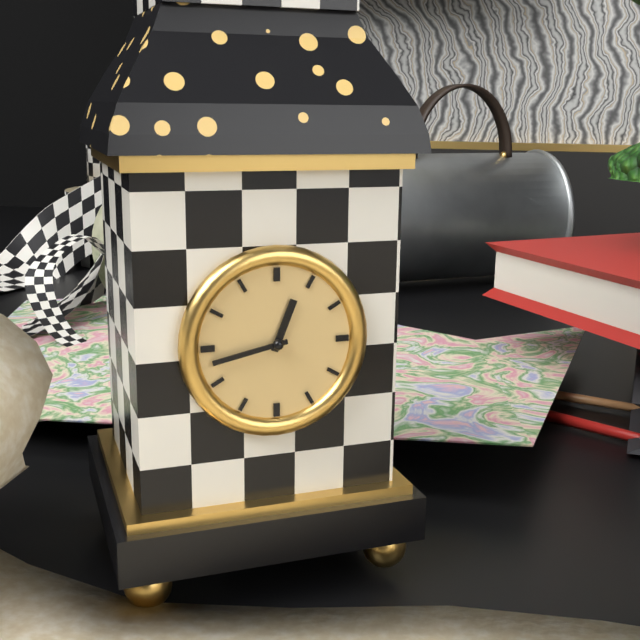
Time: {"hour": 12, "minute": 43}
